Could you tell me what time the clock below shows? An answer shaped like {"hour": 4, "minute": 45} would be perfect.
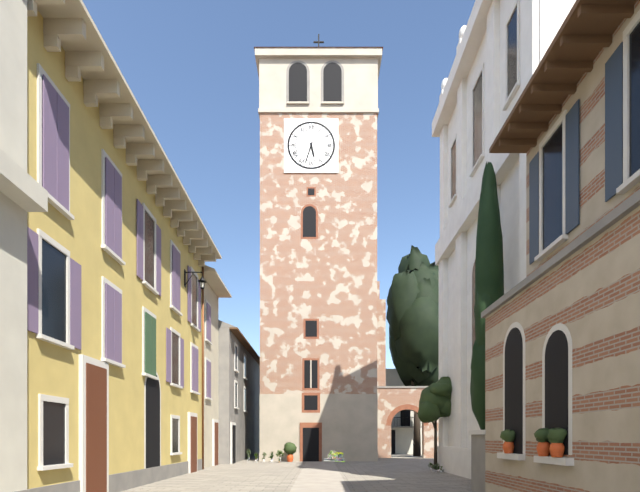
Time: {"hour": 5, "minute": 33}
